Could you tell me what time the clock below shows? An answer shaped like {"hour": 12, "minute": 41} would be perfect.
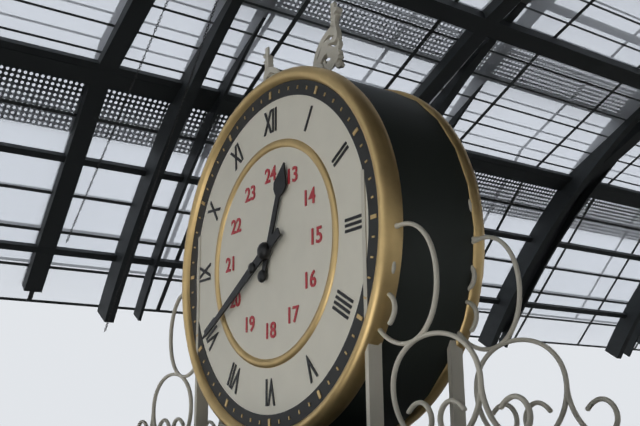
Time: {"hour": 12, "minute": 40}
